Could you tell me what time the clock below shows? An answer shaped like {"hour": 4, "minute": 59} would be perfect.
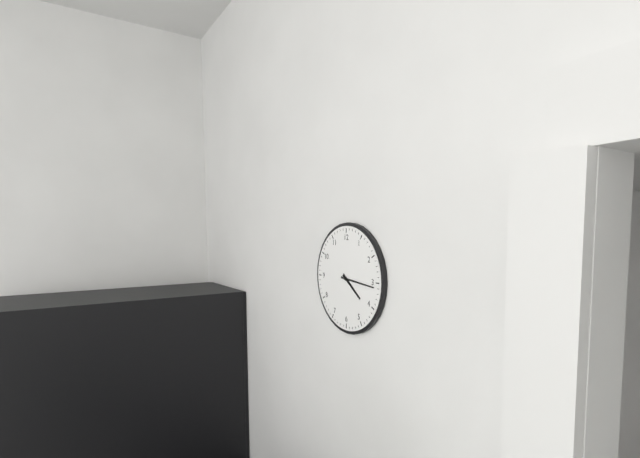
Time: {"hour": 4, "minute": 16}
